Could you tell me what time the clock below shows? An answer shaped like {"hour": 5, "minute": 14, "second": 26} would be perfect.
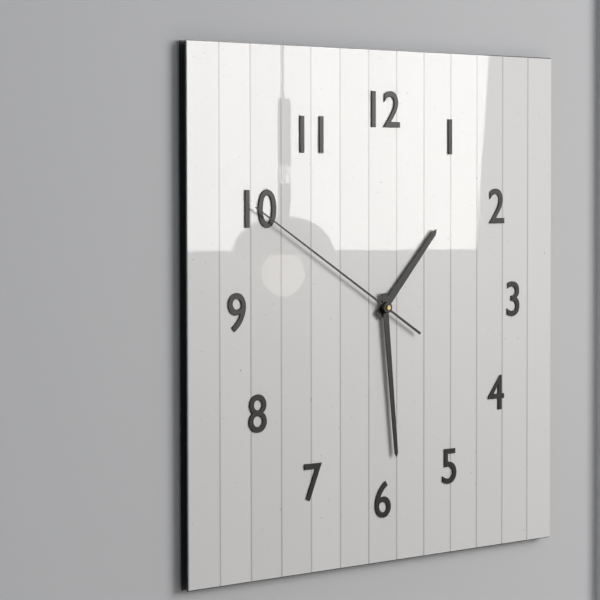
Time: {"hour": 1, "minute": 29, "second": 50}
